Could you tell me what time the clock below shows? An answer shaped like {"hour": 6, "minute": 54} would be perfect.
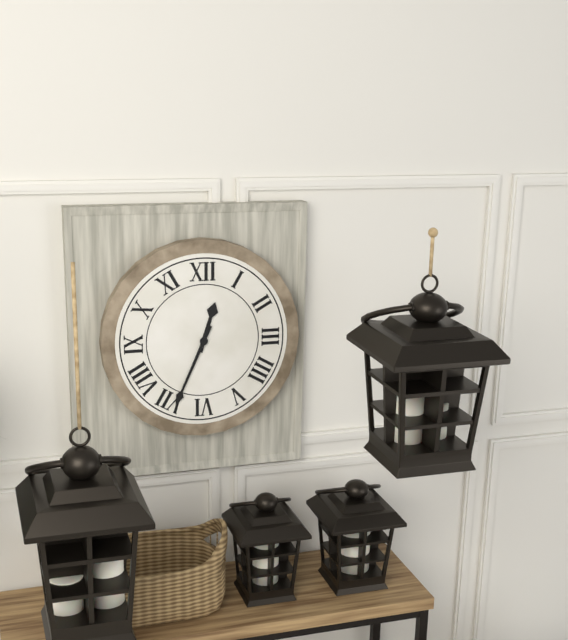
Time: {"hour": 12, "minute": 34}
